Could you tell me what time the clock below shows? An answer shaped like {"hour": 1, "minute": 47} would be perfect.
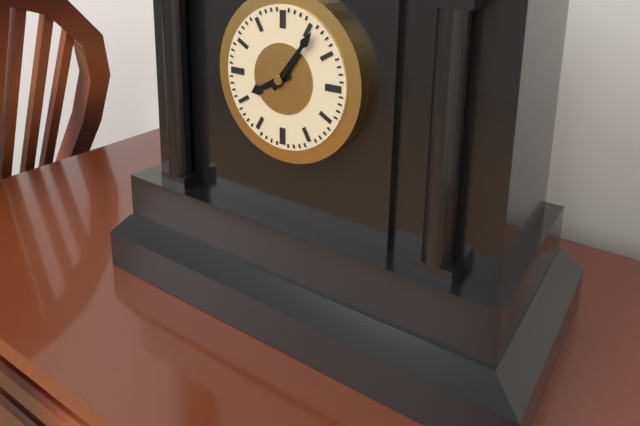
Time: {"hour": 8, "minute": 6}
